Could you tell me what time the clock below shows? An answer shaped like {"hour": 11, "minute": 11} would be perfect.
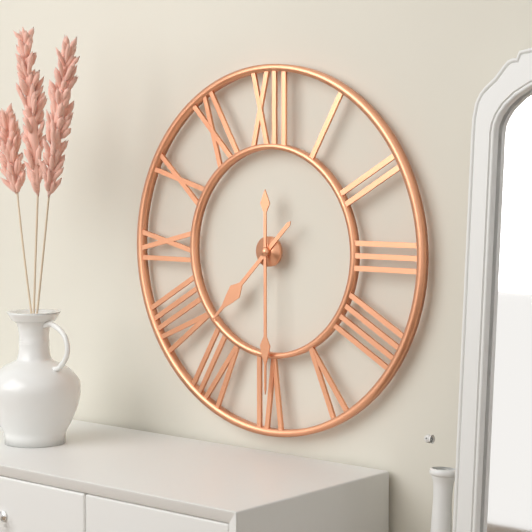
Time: {"hour": 7, "minute": 30}
